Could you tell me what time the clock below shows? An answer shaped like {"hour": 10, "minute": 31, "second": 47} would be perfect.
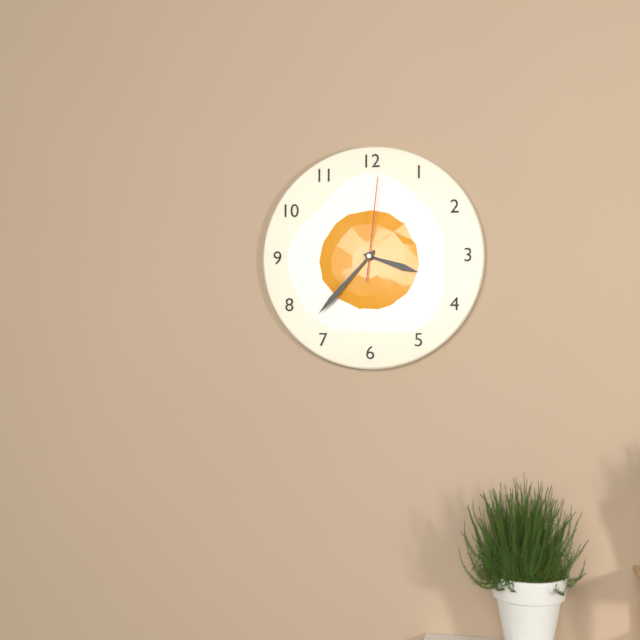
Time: {"hour": 3, "minute": 37, "second": 1}
